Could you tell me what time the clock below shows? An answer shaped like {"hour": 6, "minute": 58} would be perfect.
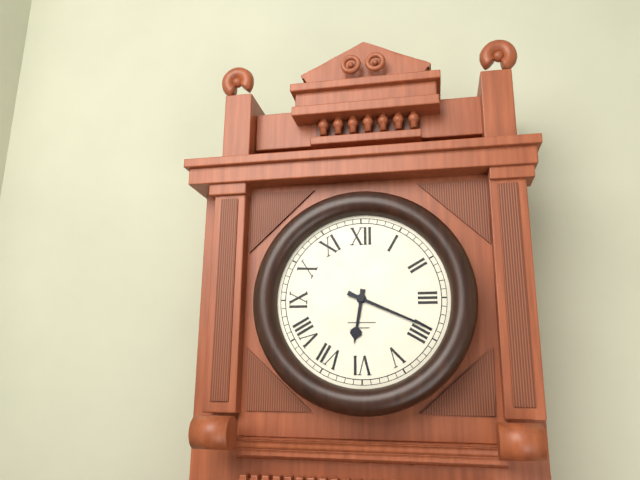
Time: {"hour": 6, "minute": 19}
